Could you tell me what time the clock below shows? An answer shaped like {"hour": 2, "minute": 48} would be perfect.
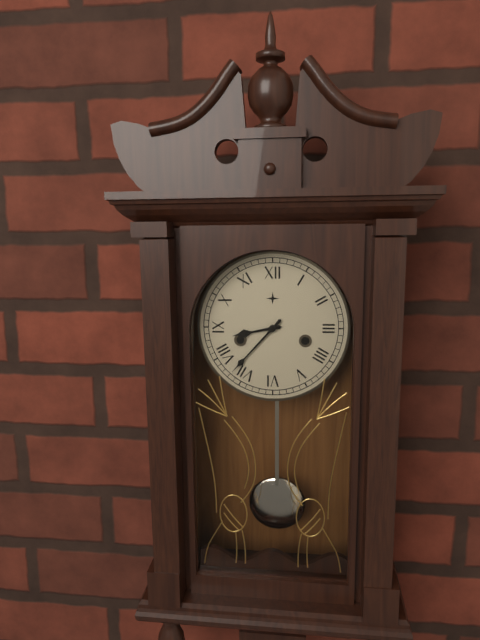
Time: {"hour": 8, "minute": 37}
